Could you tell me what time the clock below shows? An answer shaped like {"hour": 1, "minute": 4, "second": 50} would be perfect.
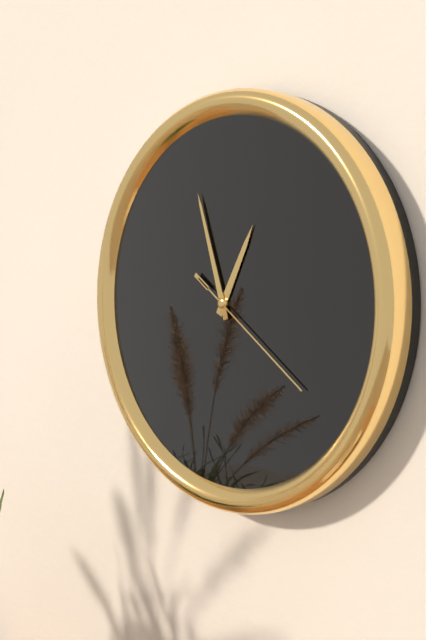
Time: {"hour": 12, "minute": 57, "second": 21}
